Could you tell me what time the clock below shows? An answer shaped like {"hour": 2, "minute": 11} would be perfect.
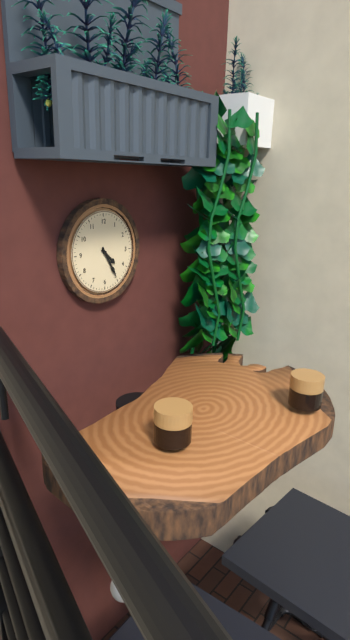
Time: {"hour": 4, "minute": 25}
